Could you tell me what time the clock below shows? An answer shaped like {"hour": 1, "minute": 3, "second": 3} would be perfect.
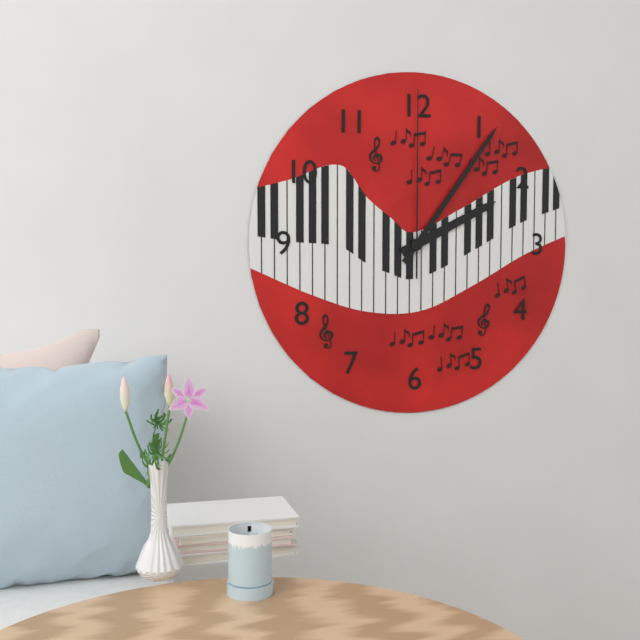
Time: {"hour": 2, "minute": 6, "second": 0}
